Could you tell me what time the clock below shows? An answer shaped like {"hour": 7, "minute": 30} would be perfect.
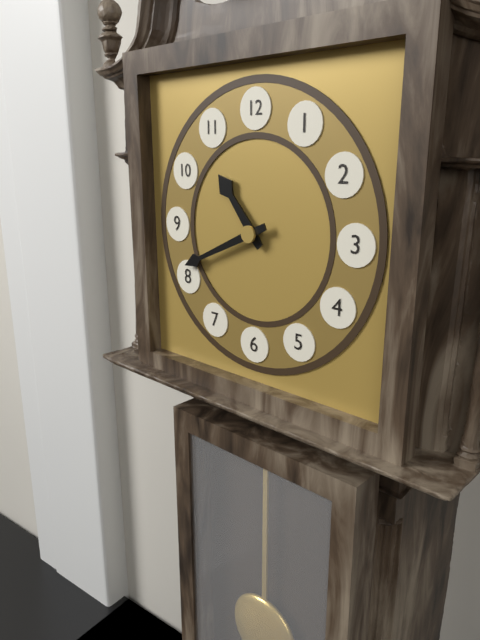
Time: {"hour": 10, "minute": 41}
